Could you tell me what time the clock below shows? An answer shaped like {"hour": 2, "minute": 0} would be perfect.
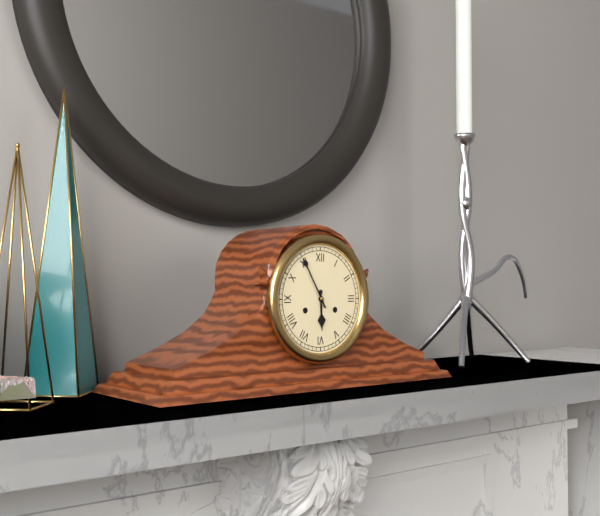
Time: {"hour": 5, "minute": 55}
